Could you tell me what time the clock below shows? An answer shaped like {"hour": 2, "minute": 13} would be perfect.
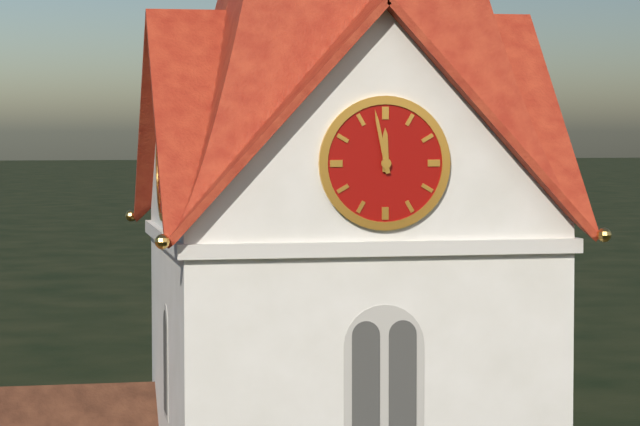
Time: {"hour": 11, "minute": 58}
